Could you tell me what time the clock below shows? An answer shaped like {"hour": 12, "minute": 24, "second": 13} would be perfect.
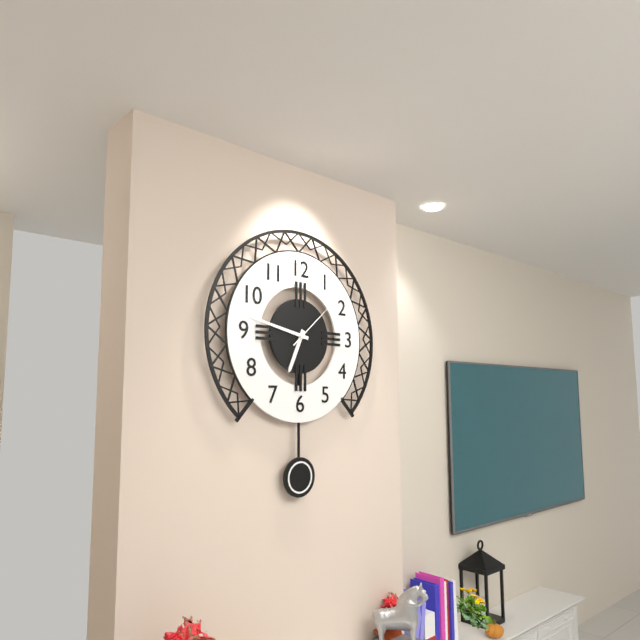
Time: {"hour": 6, "minute": 47, "second": 8}
